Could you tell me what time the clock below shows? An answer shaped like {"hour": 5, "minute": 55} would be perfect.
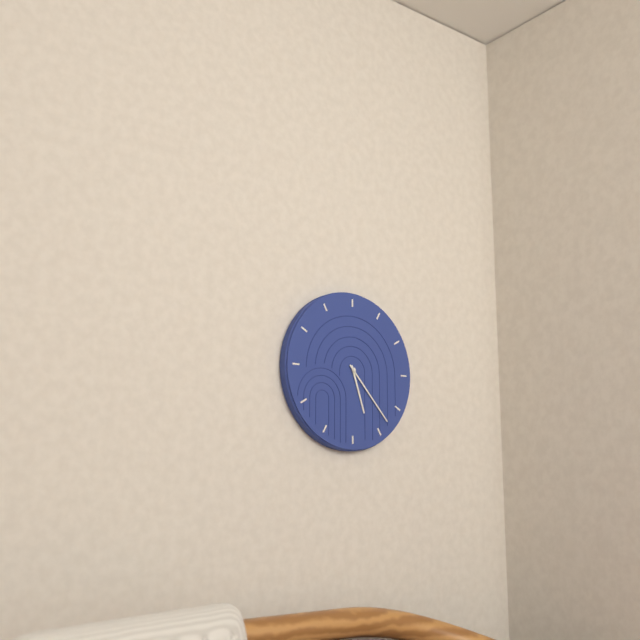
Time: {"hour": 5, "minute": 23}
